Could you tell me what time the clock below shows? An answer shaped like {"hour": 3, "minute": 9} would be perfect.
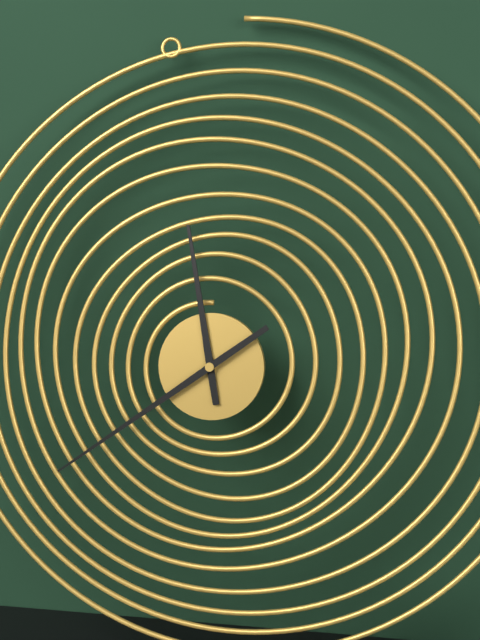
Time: {"hour": 11, "minute": 39}
